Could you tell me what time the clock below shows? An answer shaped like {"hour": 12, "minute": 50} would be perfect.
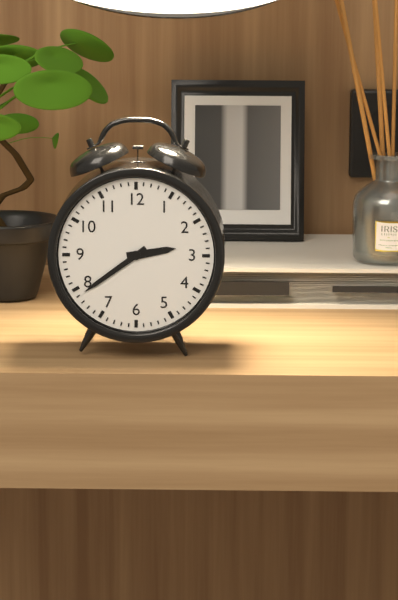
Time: {"hour": 2, "minute": 39}
